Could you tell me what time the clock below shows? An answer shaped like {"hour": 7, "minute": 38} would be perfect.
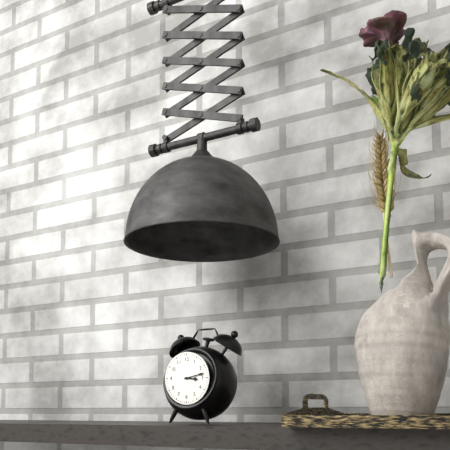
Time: {"hour": 3, "minute": 13}
